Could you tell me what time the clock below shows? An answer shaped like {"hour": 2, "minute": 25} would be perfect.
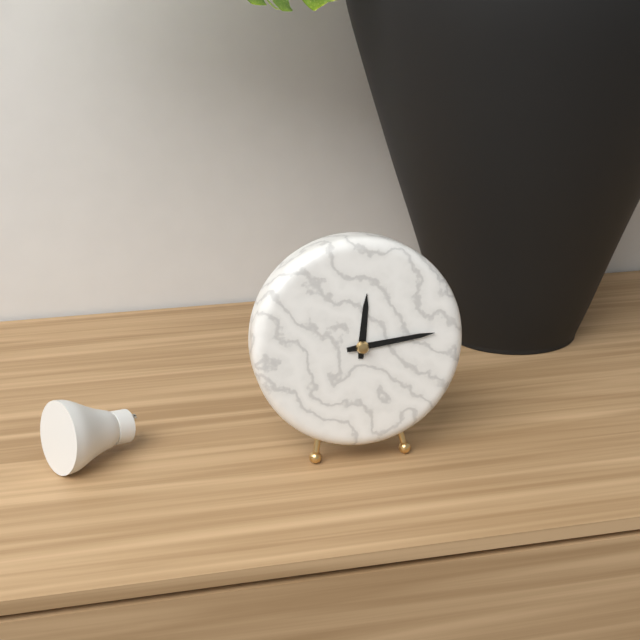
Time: {"hour": 12, "minute": 14}
